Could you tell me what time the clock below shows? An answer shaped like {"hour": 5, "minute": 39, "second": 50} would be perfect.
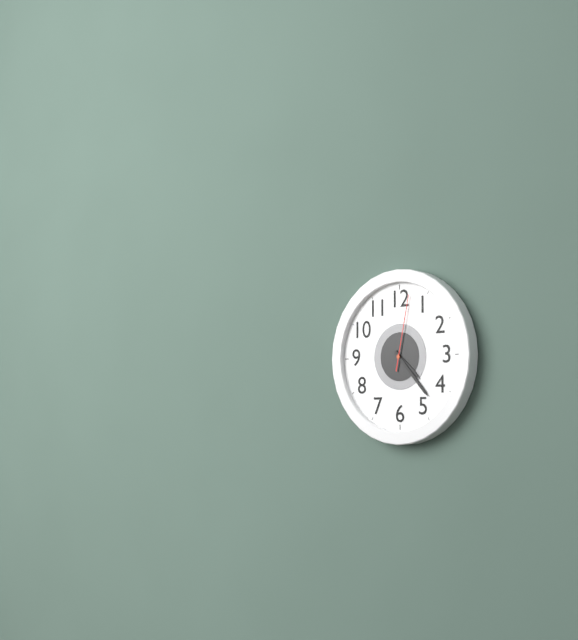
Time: {"hour": 4, "minute": 23, "second": 2}
